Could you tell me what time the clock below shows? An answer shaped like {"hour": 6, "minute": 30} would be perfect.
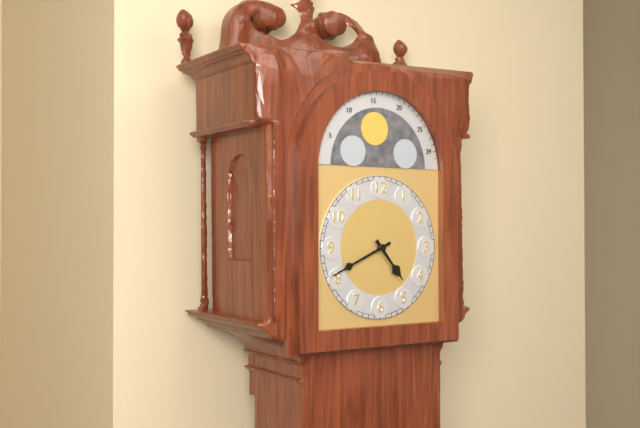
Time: {"hour": 4, "minute": 41}
